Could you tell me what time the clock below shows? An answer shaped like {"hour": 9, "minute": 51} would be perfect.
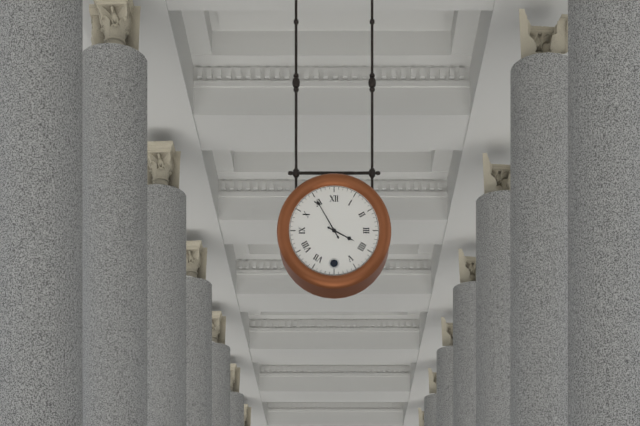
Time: {"hour": 3, "minute": 55}
